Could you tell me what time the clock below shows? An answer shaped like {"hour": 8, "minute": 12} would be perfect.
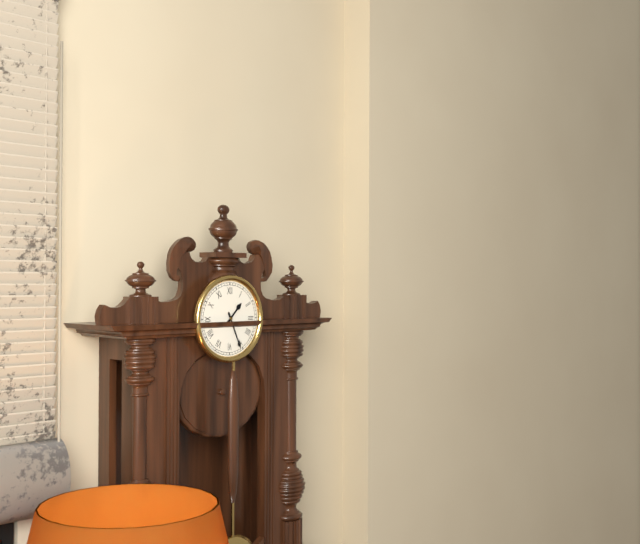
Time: {"hour": 1, "minute": 26}
